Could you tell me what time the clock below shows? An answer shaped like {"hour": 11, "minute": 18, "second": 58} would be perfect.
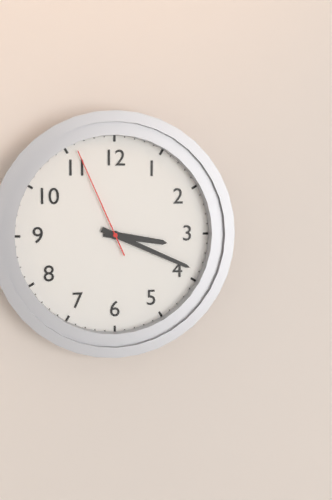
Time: {"hour": 3, "minute": 19, "second": 56}
